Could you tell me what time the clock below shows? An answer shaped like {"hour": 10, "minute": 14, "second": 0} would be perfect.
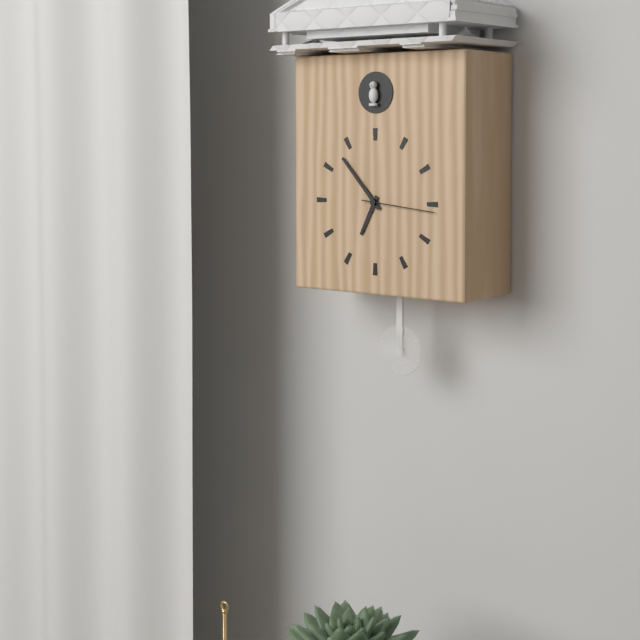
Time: {"hour": 6, "minute": 53, "second": 16}
